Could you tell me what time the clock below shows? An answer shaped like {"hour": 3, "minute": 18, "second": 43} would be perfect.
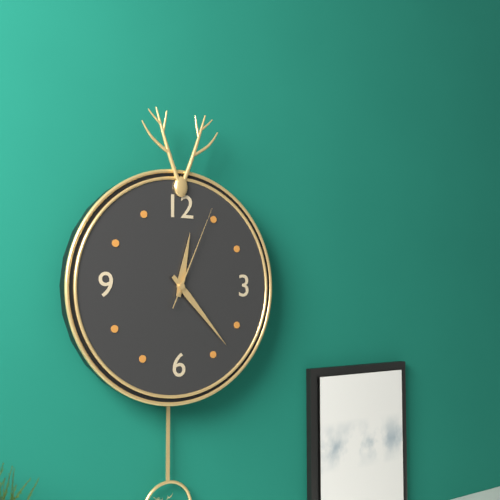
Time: {"hour": 12, "minute": 23, "second": 4}
